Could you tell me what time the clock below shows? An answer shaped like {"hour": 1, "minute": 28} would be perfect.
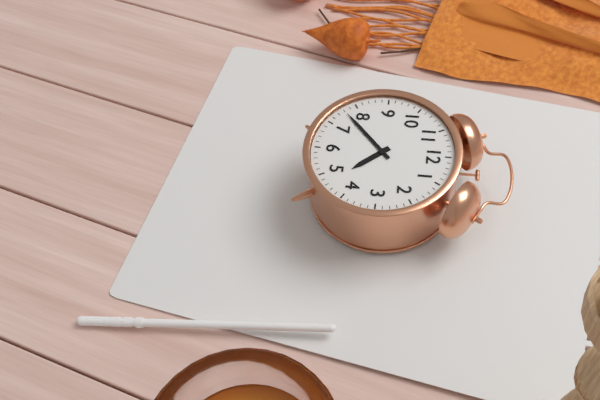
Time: {"hour": 4, "minute": 38}
